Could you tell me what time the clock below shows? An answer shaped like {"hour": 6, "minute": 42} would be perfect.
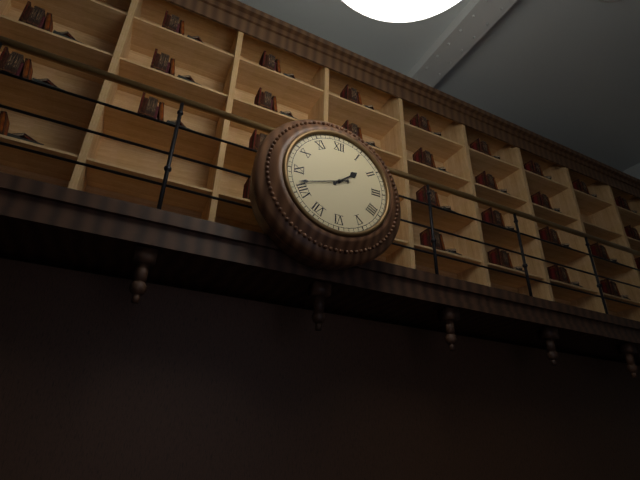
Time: {"hour": 1, "minute": 42}
